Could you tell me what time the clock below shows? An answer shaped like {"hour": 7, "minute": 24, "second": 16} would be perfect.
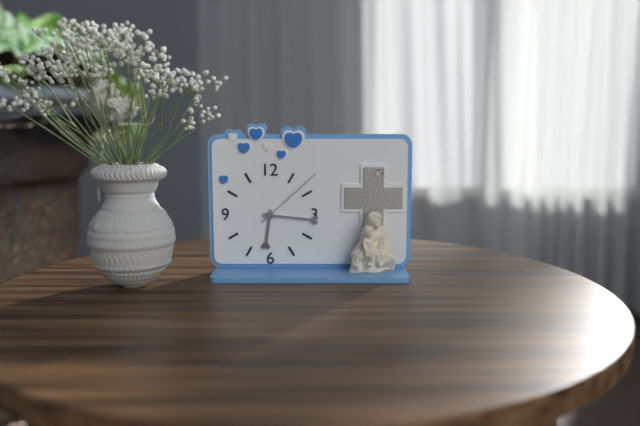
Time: {"hour": 6, "minute": 16, "second": 8}
